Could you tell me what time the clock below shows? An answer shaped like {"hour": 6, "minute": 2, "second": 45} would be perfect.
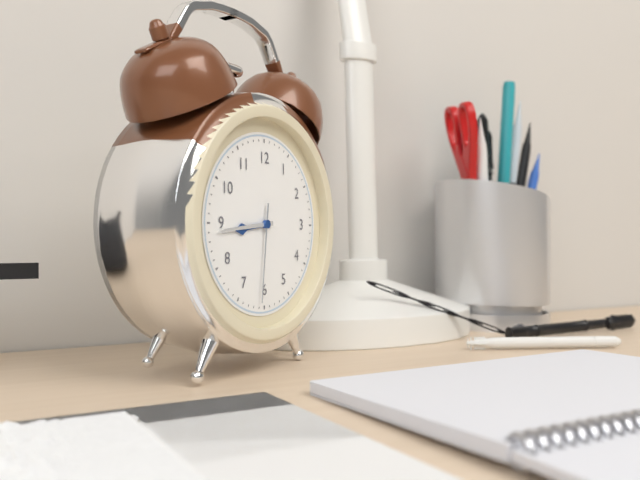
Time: {"hour": 8, "minute": 44, "second": 31}
